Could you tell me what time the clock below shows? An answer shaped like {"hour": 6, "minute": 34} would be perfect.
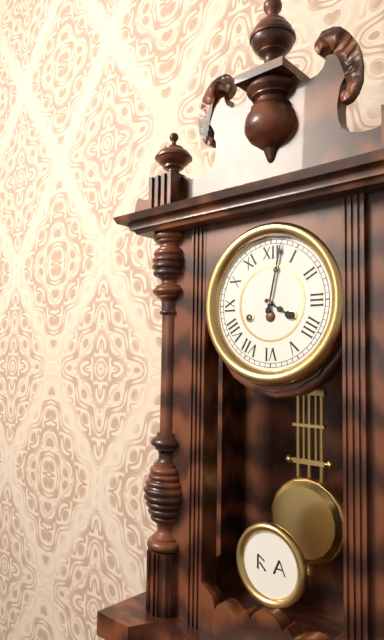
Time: {"hour": 4, "minute": 2}
